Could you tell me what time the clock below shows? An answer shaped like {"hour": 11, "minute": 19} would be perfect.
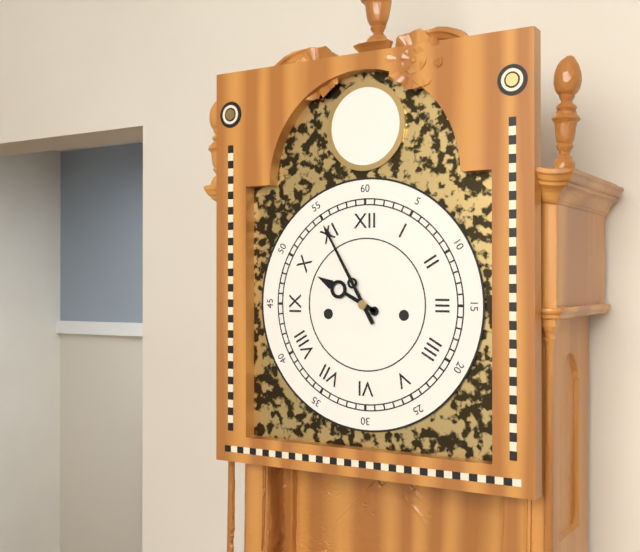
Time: {"hour": 9, "minute": 55}
